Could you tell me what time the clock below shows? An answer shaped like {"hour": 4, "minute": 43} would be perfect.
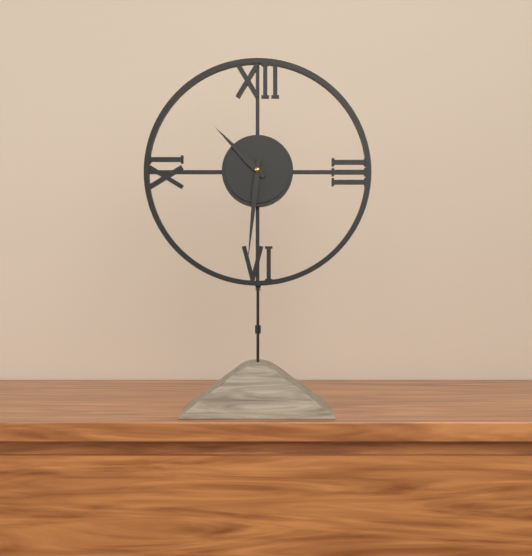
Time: {"hour": 10, "minute": 31}
